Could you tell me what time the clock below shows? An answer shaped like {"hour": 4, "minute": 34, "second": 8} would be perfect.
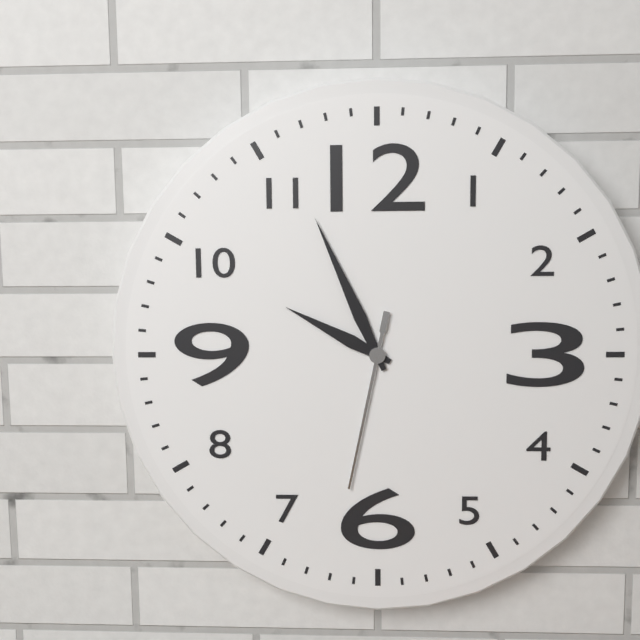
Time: {"hour": 9, "minute": 56, "second": 32}
